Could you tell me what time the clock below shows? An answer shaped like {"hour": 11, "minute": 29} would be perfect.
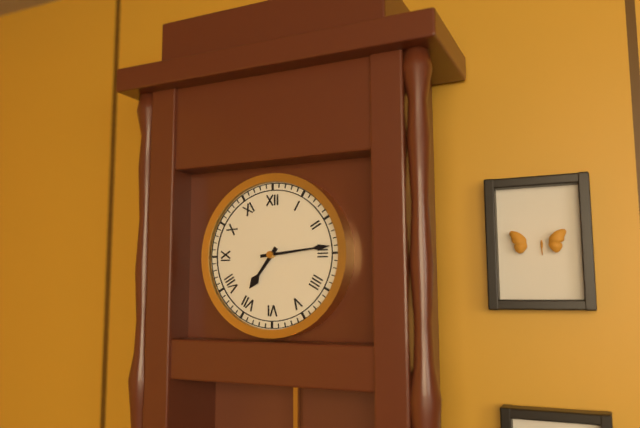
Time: {"hour": 7, "minute": 14}
